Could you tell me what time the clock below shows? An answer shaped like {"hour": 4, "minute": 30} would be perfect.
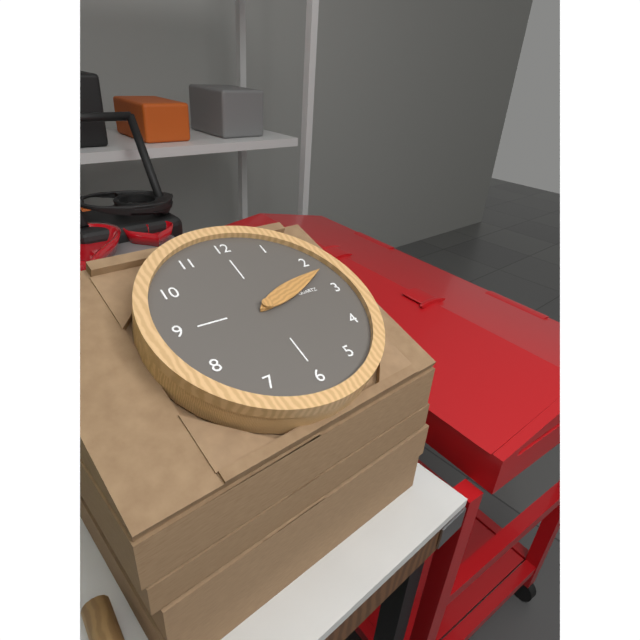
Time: {"hour": 2, "minute": 12}
